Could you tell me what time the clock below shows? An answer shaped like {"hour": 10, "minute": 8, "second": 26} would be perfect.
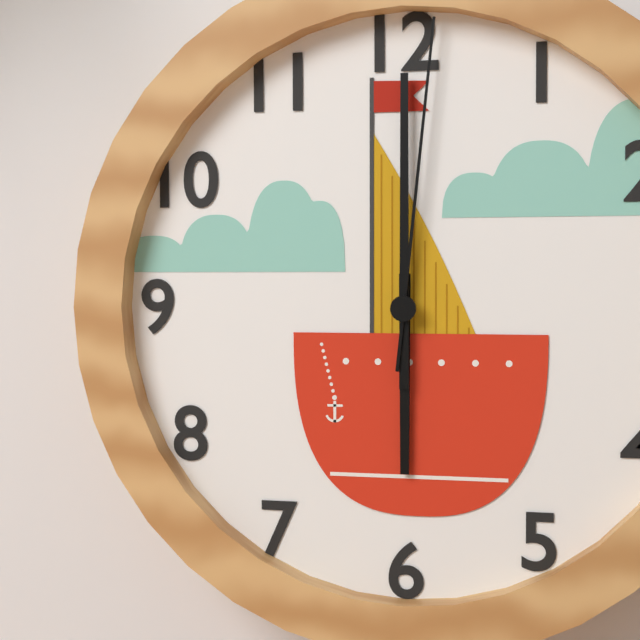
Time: {"hour": 6, "minute": 0, "second": 1}
